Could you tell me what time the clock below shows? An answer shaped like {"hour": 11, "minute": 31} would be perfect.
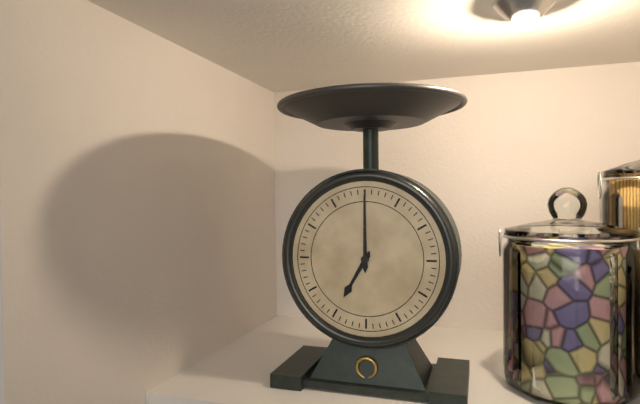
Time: {"hour": 7, "minute": 0}
